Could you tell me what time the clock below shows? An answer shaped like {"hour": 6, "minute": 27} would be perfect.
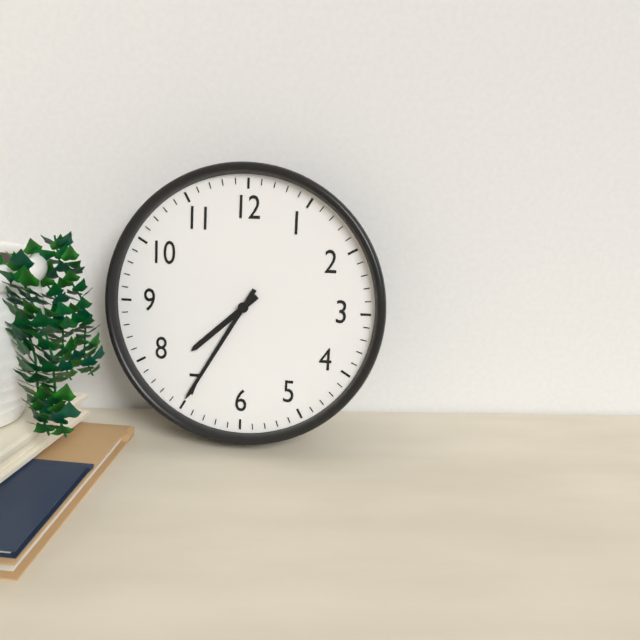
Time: {"hour": 7, "minute": 35}
